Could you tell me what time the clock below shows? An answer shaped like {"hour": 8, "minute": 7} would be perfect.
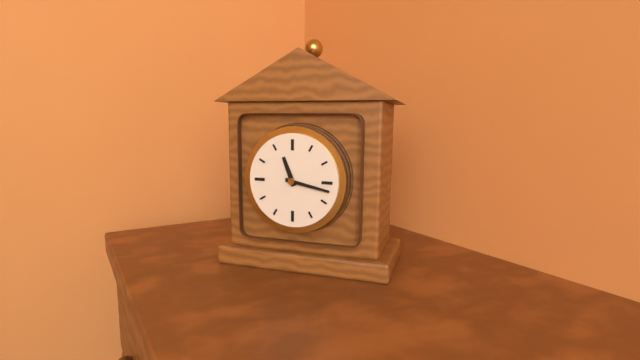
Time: {"hour": 11, "minute": 17}
